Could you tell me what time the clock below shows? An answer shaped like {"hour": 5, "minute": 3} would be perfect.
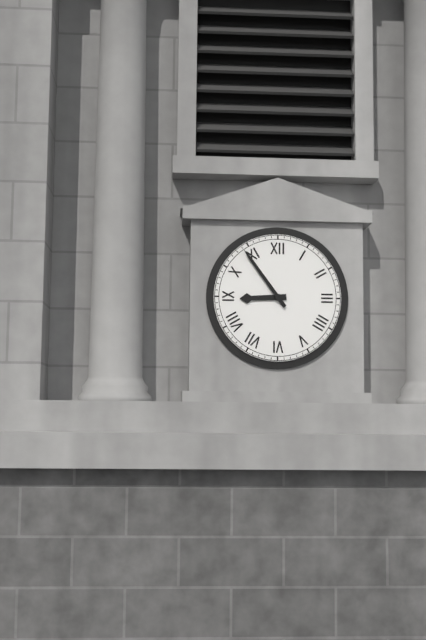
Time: {"hour": 8, "minute": 54}
